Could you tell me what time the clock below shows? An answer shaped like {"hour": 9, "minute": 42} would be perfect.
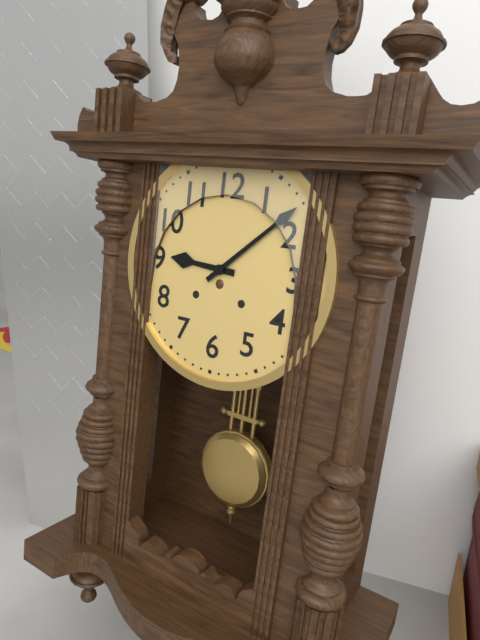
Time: {"hour": 9, "minute": 8}
